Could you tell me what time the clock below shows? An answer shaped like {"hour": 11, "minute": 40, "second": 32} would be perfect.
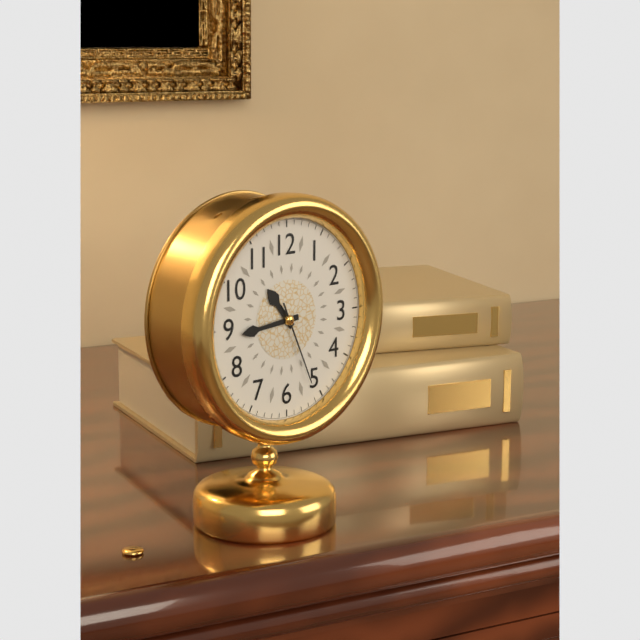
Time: {"hour": 10, "minute": 44, "second": 26}
